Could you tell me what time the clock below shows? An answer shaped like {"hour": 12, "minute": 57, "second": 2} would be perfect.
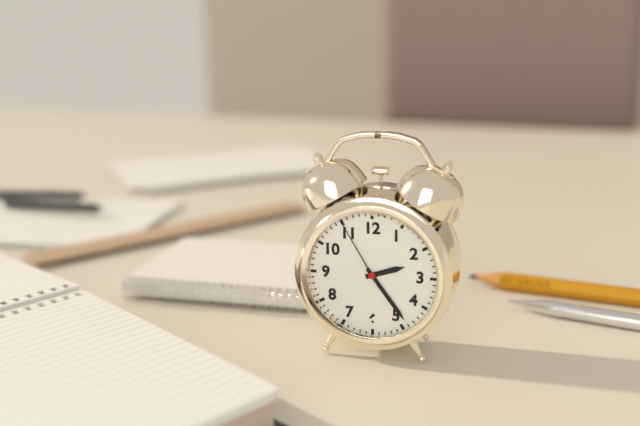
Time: {"hour": 2, "minute": 24, "second": 55}
